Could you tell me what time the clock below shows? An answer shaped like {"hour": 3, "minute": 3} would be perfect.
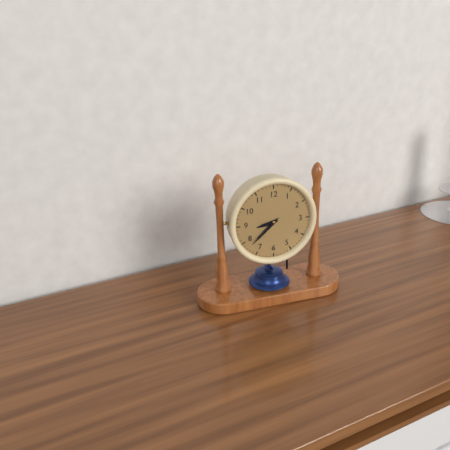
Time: {"hour": 8, "minute": 38}
